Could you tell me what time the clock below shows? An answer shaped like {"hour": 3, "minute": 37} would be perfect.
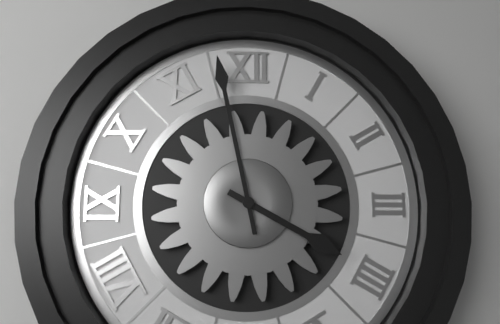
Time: {"hour": 3, "minute": 58}
